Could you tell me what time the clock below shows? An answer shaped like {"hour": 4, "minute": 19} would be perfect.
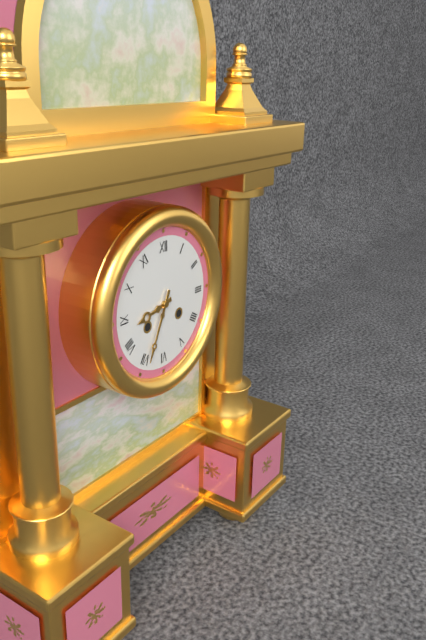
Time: {"hour": 8, "minute": 34}
